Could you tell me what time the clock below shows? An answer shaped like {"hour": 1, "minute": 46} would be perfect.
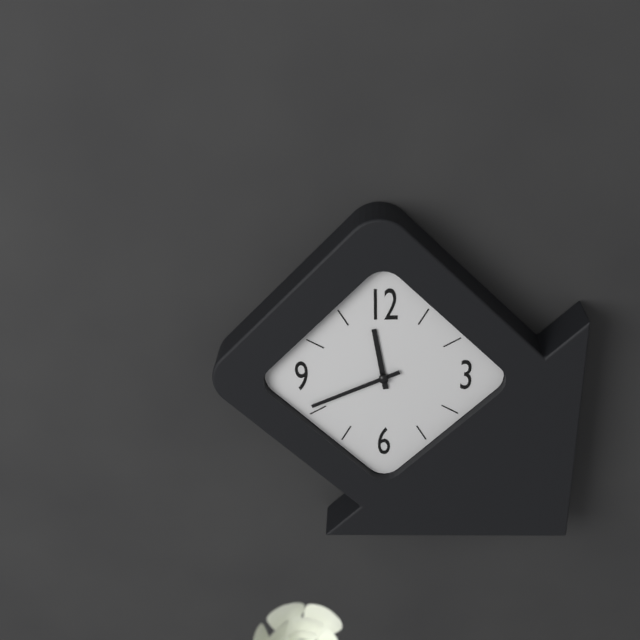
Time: {"hour": 11, "minute": 41}
